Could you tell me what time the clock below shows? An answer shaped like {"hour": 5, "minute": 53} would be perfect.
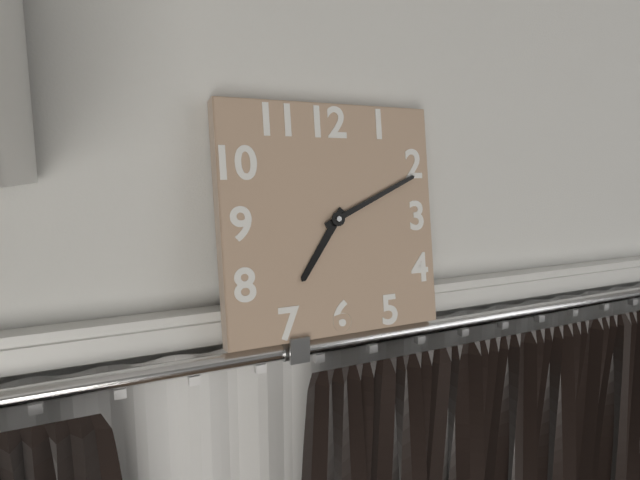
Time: {"hour": 7, "minute": 11}
